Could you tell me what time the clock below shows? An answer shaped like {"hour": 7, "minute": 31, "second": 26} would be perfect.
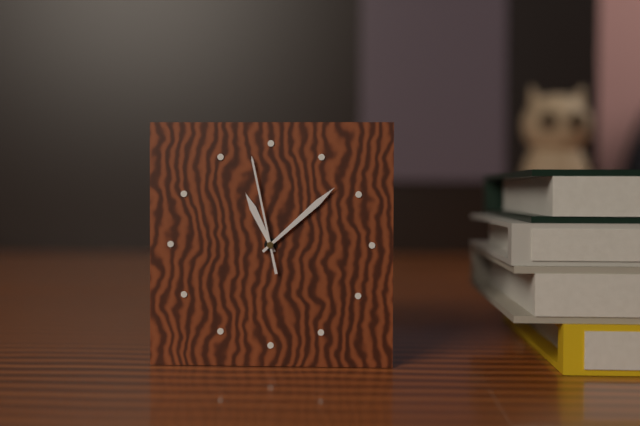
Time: {"hour": 11, "minute": 8, "second": 58}
